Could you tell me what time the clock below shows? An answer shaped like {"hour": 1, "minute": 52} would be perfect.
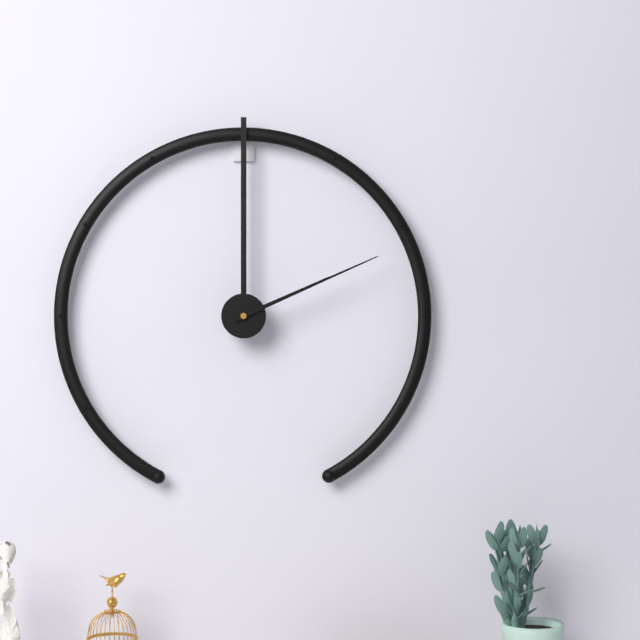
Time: {"hour": 2, "minute": 11}
